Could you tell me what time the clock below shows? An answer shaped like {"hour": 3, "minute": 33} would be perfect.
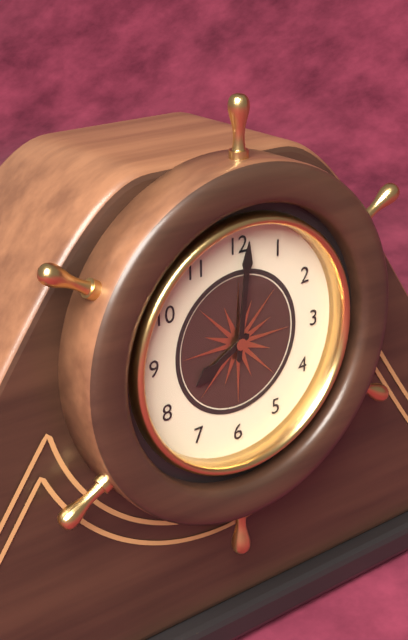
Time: {"hour": 8, "minute": 1}
